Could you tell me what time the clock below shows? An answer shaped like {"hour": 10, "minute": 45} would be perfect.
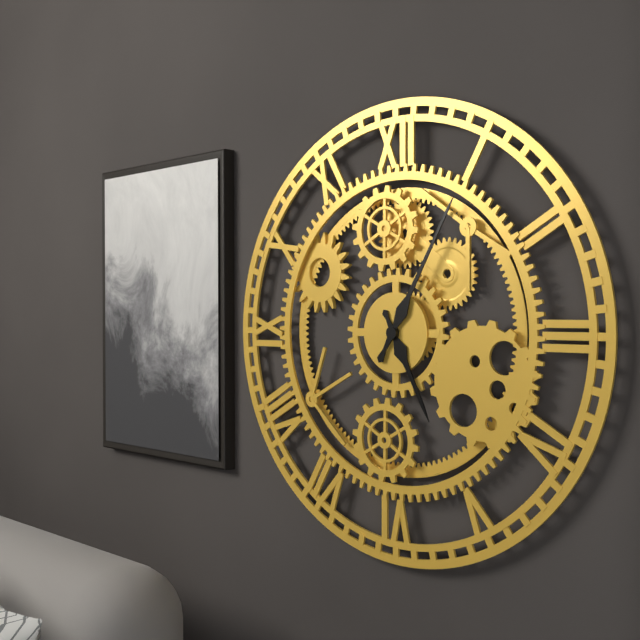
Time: {"hour": 5, "minute": 5}
